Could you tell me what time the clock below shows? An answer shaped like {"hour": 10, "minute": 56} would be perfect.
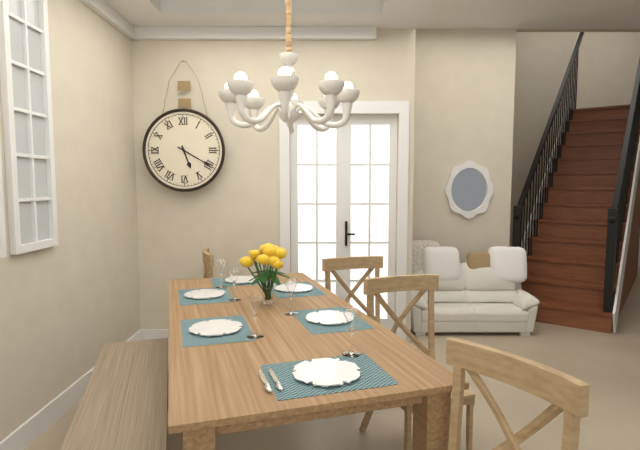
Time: {"hour": 5, "minute": 20}
